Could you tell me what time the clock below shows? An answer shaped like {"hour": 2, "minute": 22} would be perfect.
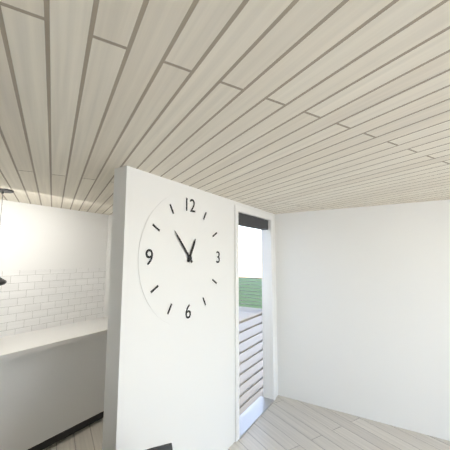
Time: {"hour": 12, "minute": 53}
